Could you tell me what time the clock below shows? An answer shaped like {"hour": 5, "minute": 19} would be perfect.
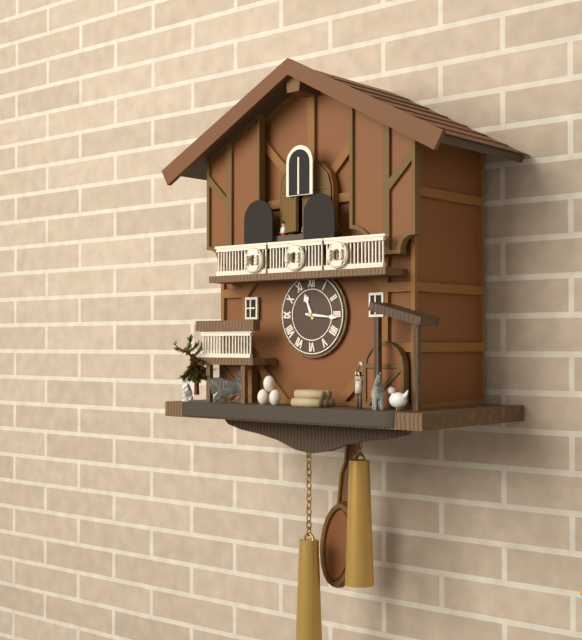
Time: {"hour": 11, "minute": 16}
